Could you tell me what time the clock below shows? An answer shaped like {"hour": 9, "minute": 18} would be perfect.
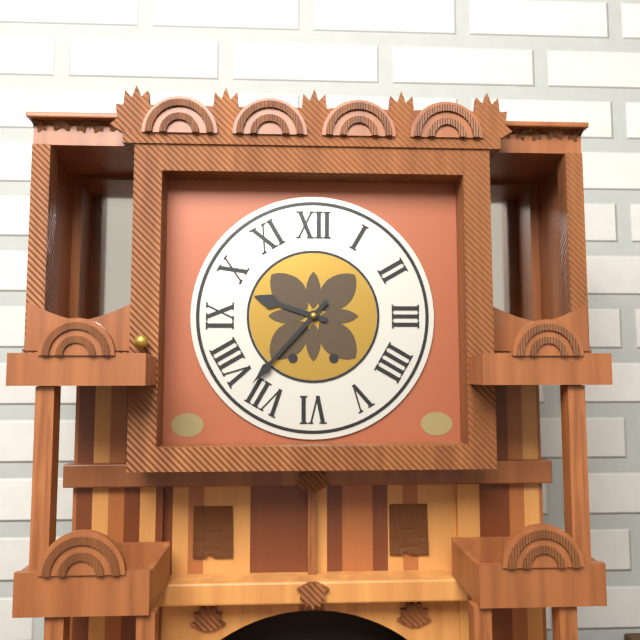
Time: {"hour": 9, "minute": 37}
